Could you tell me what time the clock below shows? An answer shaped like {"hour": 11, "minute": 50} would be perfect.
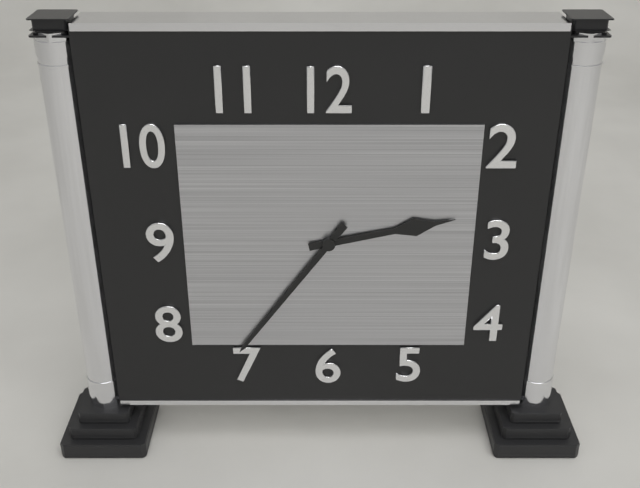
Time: {"hour": 2, "minute": 36}
